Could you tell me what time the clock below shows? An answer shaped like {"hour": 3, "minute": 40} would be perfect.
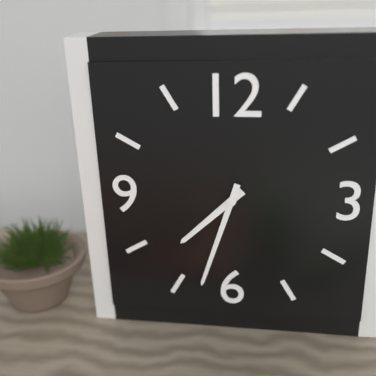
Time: {"hour": 7, "minute": 33}
